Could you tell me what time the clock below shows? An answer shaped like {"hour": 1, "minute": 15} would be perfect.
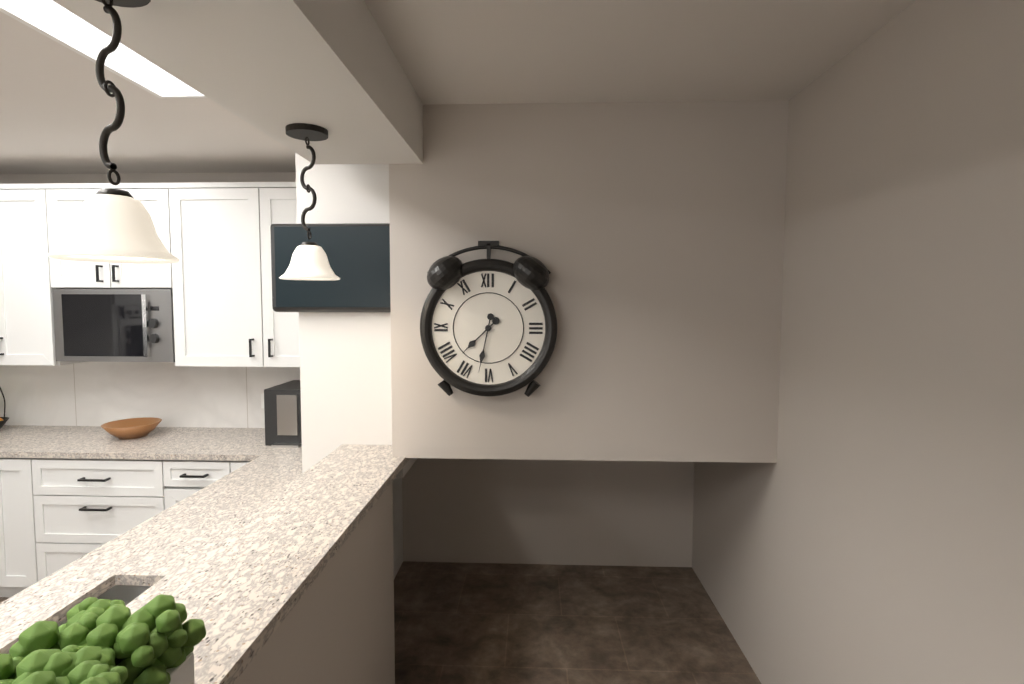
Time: {"hour": 7, "minute": 32}
